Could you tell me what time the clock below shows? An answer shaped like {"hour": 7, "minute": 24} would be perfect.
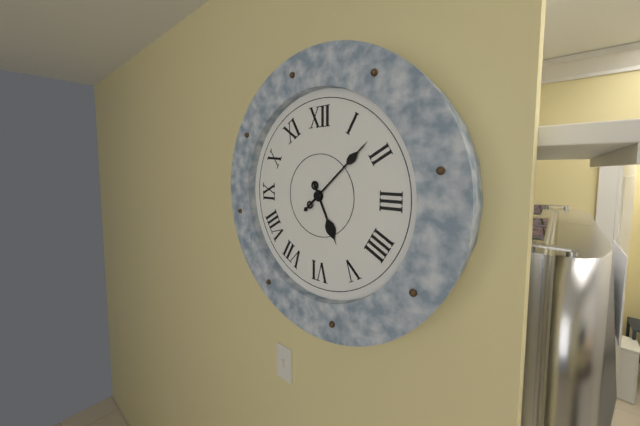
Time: {"hour": 5, "minute": 8}
